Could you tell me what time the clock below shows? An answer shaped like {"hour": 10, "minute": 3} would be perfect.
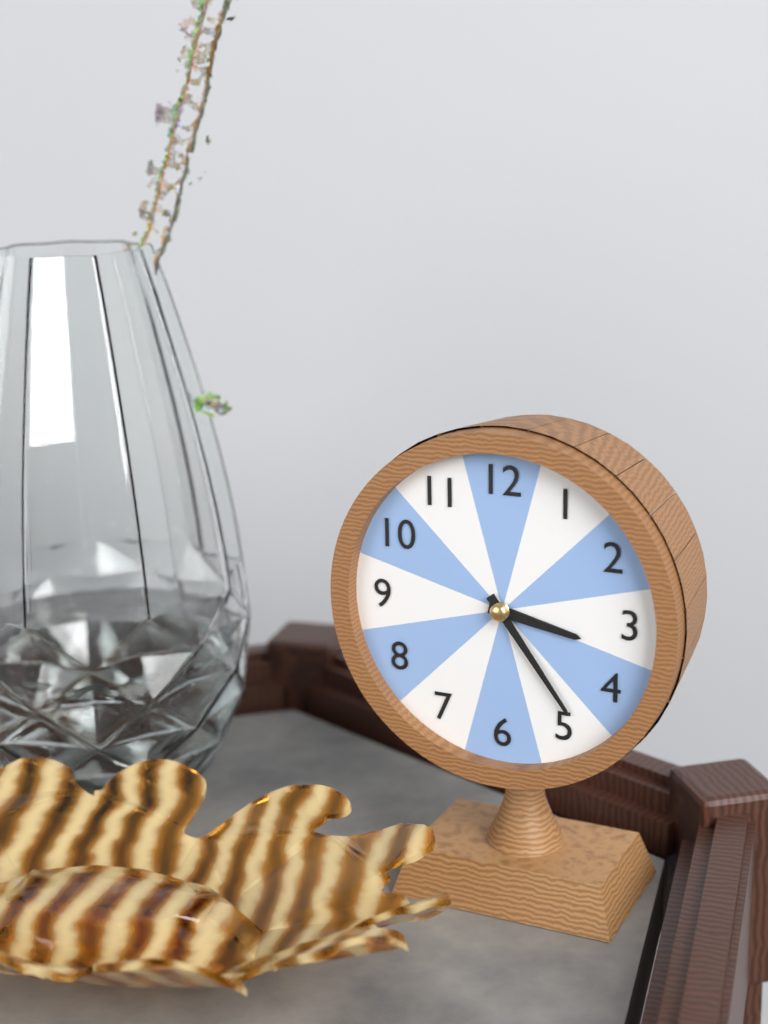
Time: {"hour": 3, "minute": 24}
